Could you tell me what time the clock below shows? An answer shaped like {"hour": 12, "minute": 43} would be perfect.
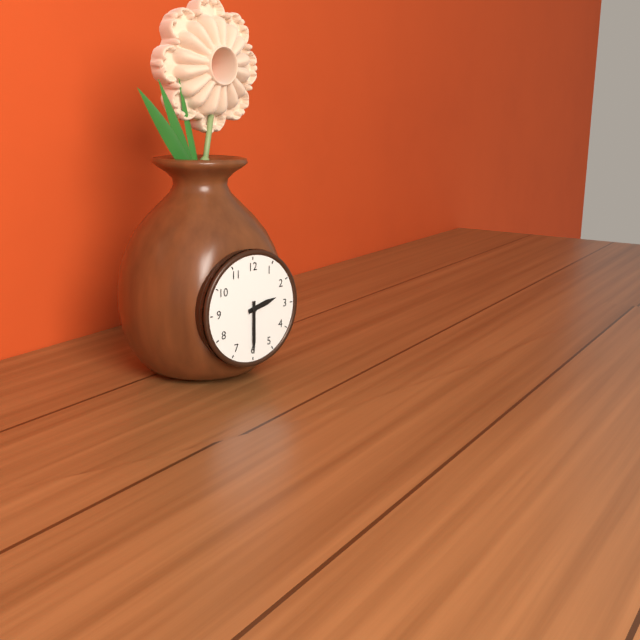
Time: {"hour": 2, "minute": 30}
